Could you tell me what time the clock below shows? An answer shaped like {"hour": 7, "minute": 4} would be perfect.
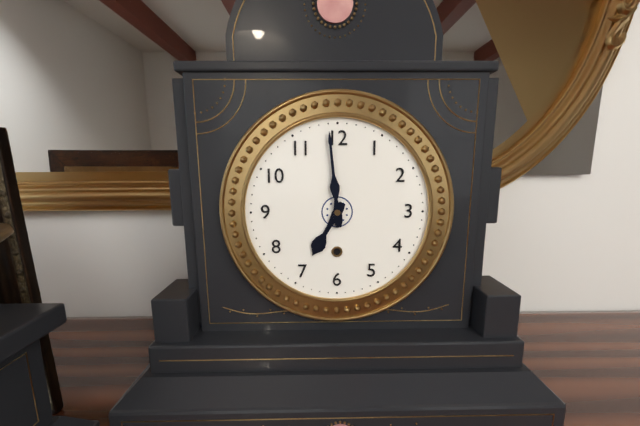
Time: {"hour": 6, "minute": 59}
